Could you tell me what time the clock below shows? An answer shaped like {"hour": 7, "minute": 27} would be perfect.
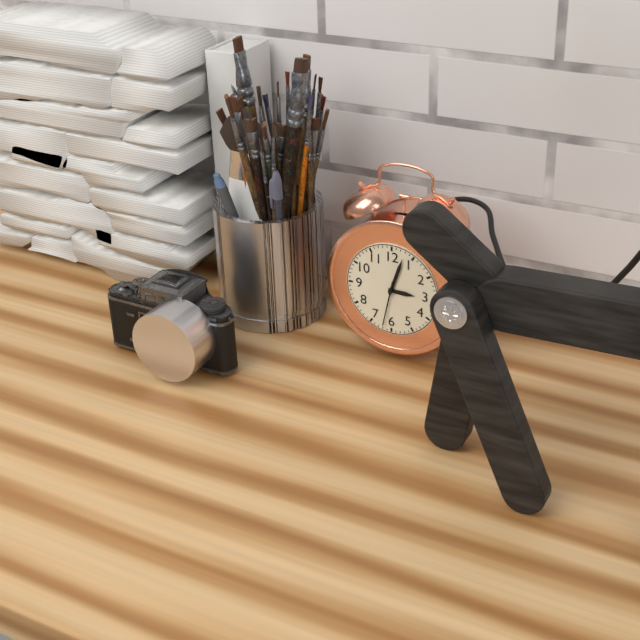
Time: {"hour": 3, "minute": 3}
